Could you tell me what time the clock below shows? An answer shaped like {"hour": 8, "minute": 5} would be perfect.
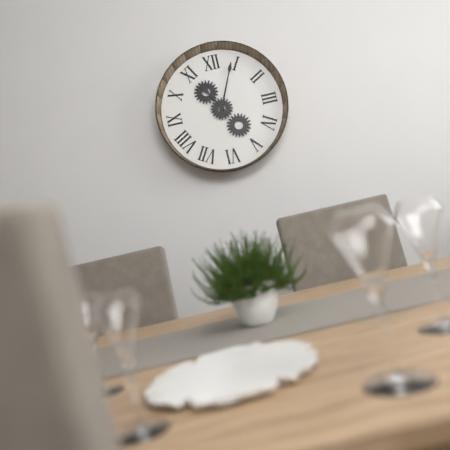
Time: {"hour": 11, "minute": 4}
